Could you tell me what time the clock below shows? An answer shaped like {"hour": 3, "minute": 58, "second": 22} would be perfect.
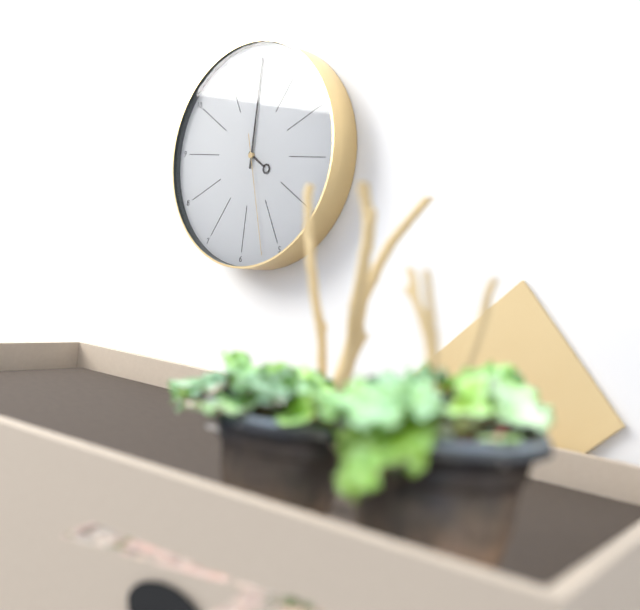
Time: {"hour": 4, "minute": 0, "second": 27}
